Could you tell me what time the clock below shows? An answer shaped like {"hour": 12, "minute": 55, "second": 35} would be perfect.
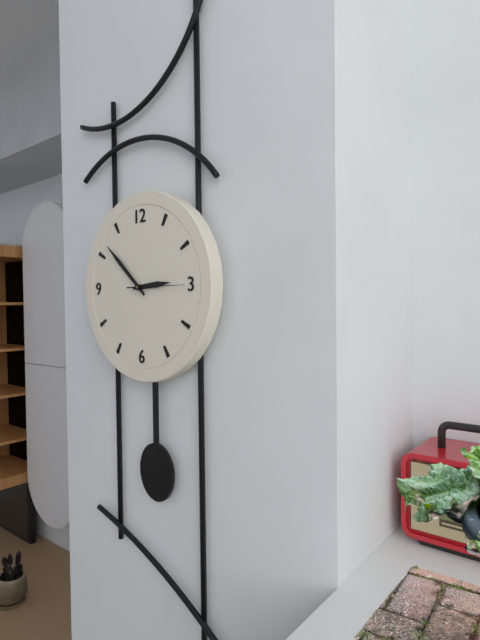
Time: {"hour": 2, "minute": 52, "second": 15}
